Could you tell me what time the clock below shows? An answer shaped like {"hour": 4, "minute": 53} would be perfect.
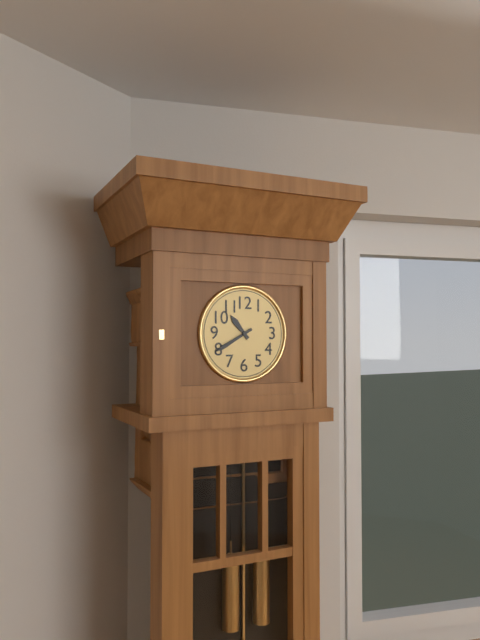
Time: {"hour": 10, "minute": 40}
